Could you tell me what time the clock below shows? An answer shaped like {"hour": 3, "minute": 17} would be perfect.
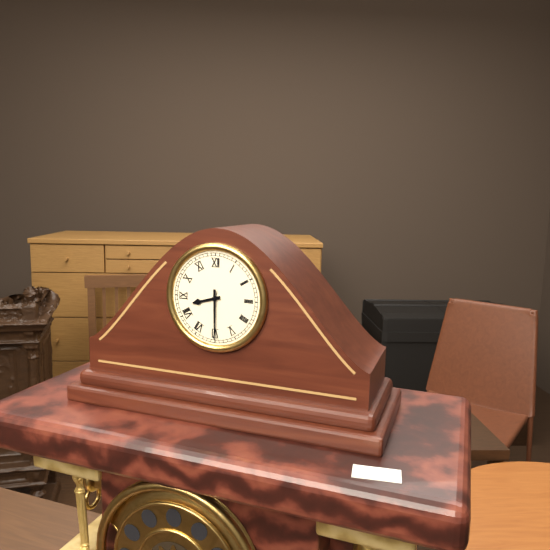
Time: {"hour": 8, "minute": 30}
